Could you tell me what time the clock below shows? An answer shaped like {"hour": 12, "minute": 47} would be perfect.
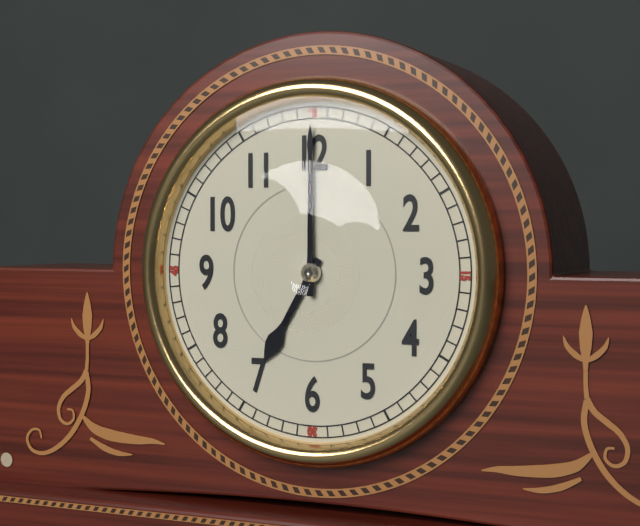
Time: {"hour": 7, "minute": 0}
